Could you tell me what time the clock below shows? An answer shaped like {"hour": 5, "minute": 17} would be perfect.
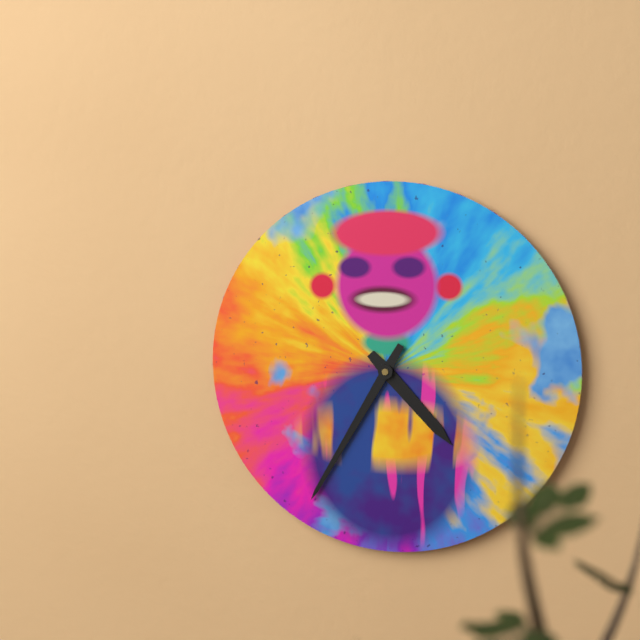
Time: {"hour": 4, "minute": 35}
